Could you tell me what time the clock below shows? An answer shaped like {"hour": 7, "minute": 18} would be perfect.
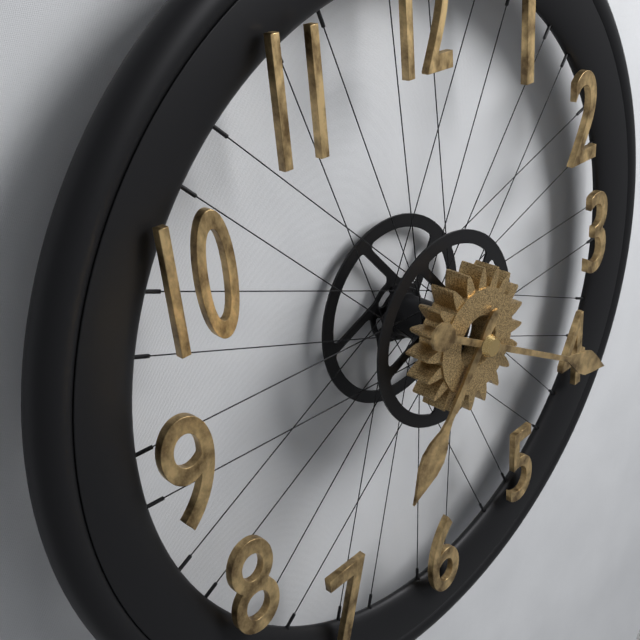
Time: {"hour": 7, "minute": 20}
